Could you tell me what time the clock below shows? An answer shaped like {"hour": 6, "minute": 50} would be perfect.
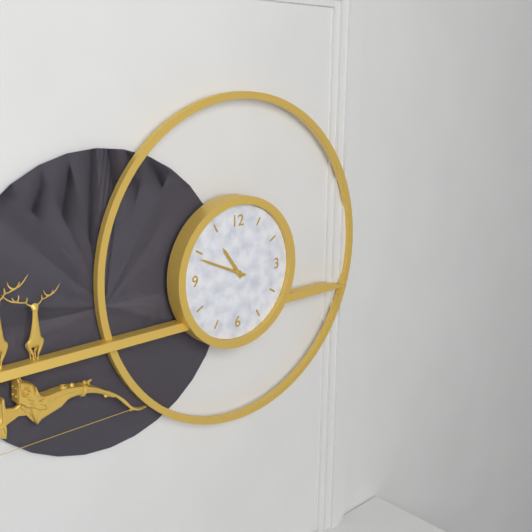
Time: {"hour": 10, "minute": 49}
